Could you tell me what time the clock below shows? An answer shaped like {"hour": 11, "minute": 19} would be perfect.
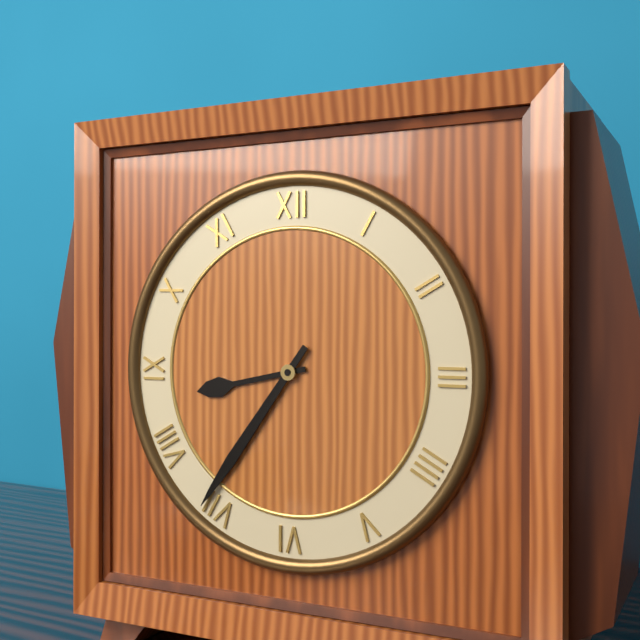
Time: {"hour": 8, "minute": 36}
